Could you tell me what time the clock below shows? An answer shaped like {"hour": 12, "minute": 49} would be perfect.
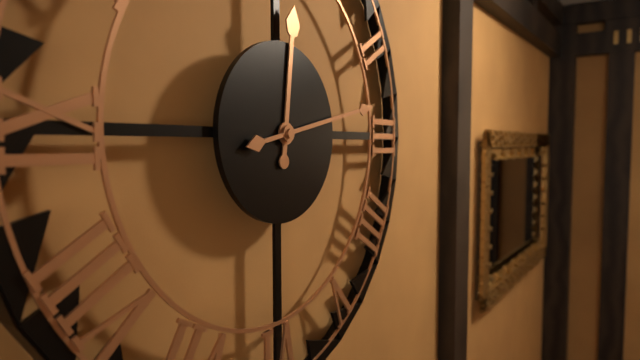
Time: {"hour": 12, "minute": 13}
